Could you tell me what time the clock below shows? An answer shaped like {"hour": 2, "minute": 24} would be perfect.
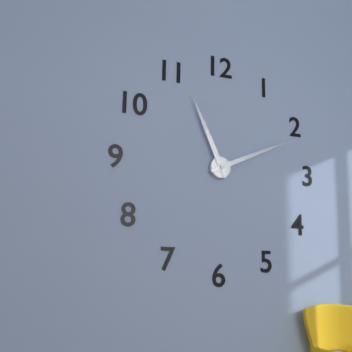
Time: {"hour": 11, "minute": 11}
